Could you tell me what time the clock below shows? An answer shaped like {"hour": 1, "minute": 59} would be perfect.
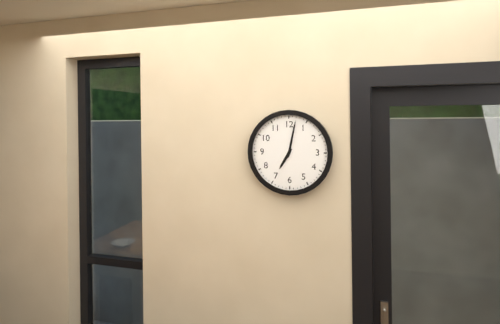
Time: {"hour": 7, "minute": 2}
